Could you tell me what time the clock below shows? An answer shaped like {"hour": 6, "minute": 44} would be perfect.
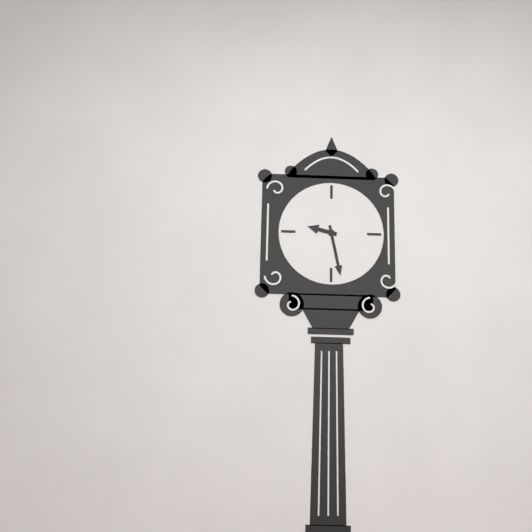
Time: {"hour": 9, "minute": 28}
